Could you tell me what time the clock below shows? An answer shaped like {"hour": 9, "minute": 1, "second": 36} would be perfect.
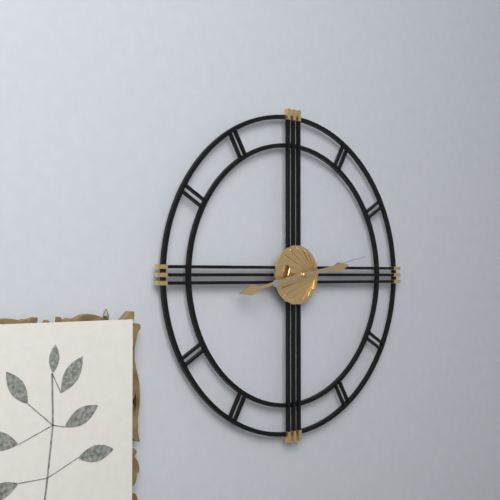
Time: {"hour": 2, "minute": 43, "second": 13}
